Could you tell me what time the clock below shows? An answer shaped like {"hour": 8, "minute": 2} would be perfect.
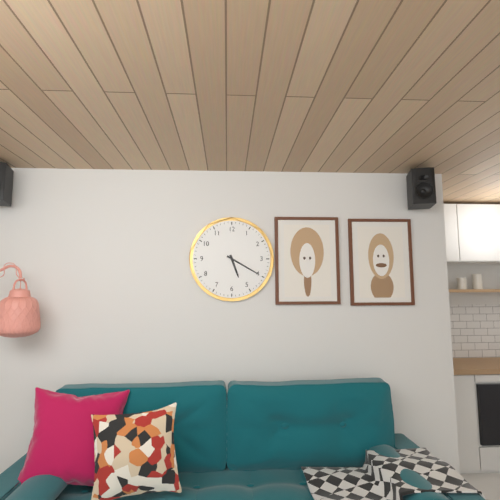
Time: {"hour": 5, "minute": 20}
